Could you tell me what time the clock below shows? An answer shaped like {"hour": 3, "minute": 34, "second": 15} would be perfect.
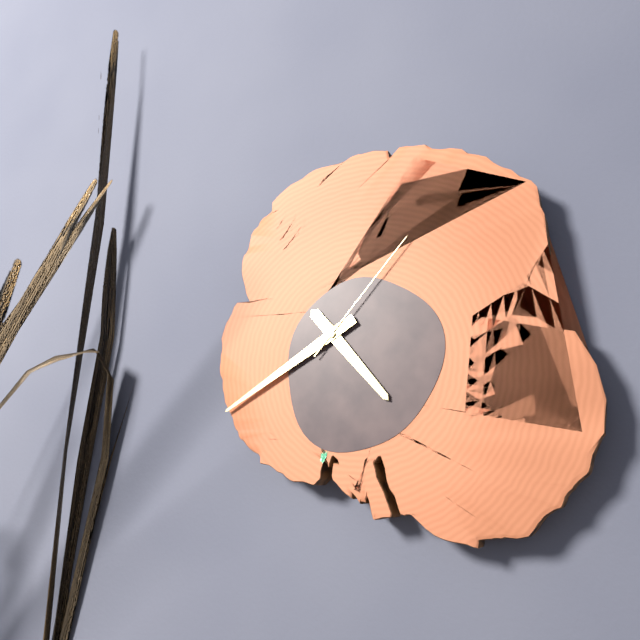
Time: {"hour": 4, "minute": 40, "second": 7}
